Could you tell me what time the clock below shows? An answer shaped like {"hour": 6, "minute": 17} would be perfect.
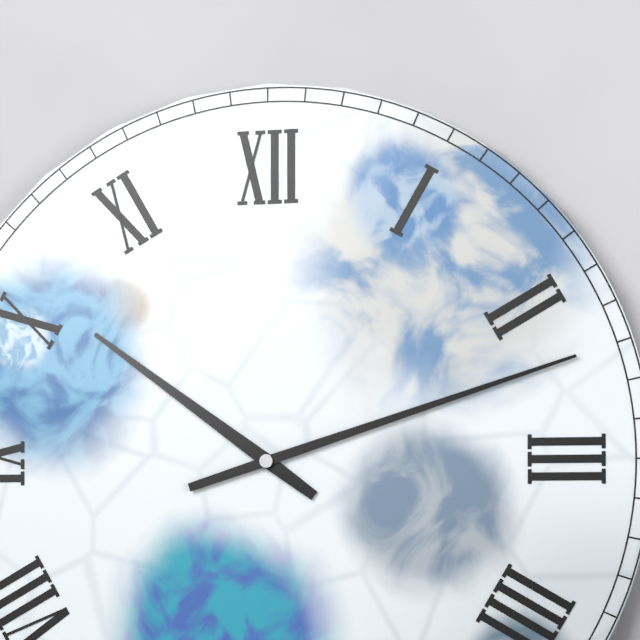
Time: {"hour": 10, "minute": 12}
